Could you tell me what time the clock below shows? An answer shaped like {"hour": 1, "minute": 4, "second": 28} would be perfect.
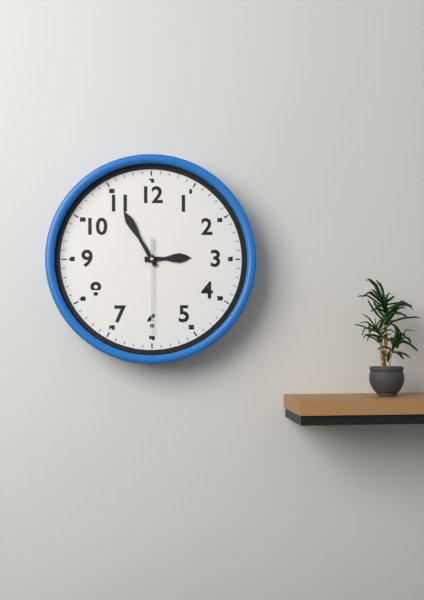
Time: {"hour": 2, "minute": 55, "second": 30}
